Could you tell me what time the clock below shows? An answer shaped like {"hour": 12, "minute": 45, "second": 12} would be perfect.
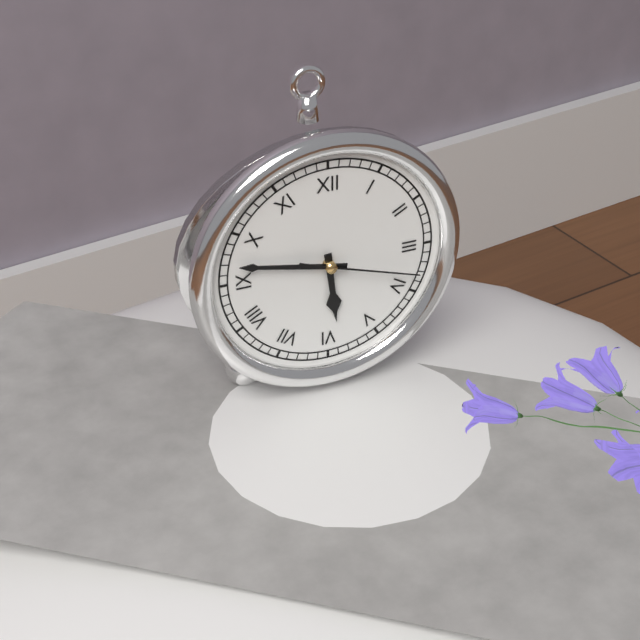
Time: {"hour": 5, "minute": 47, "second": 18}
